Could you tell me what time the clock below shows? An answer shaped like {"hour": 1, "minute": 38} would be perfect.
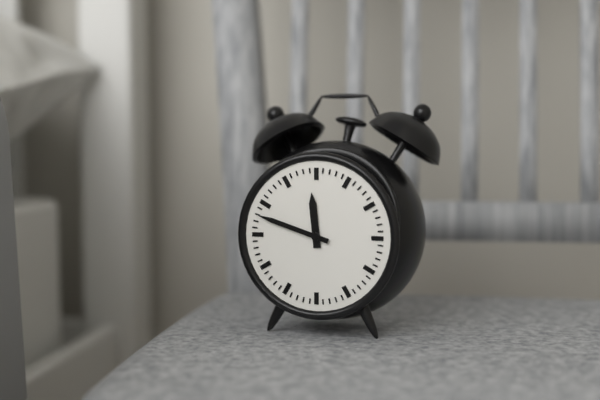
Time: {"hour": 11, "minute": 48}
